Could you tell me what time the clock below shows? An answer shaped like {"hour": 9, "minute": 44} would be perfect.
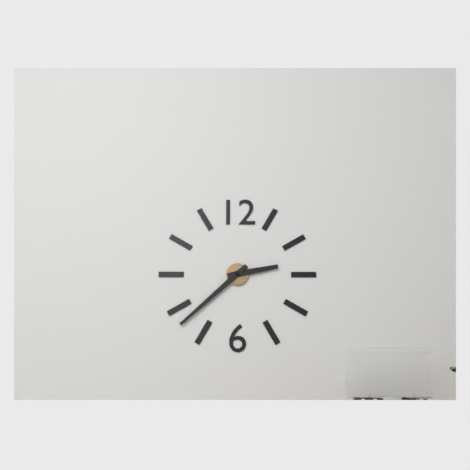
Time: {"hour": 2, "minute": 38}
